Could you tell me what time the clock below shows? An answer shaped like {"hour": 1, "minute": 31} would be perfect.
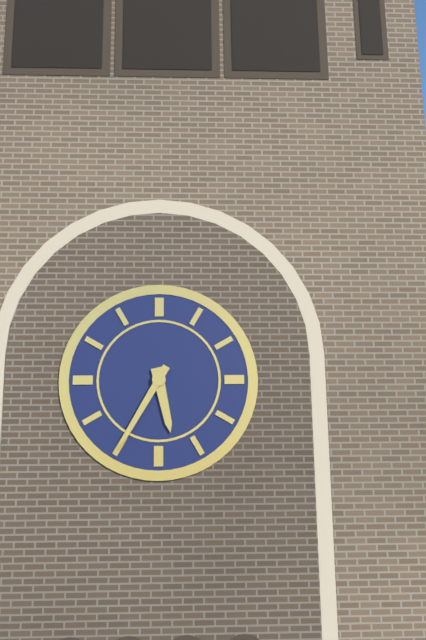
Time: {"hour": 5, "minute": 35}
